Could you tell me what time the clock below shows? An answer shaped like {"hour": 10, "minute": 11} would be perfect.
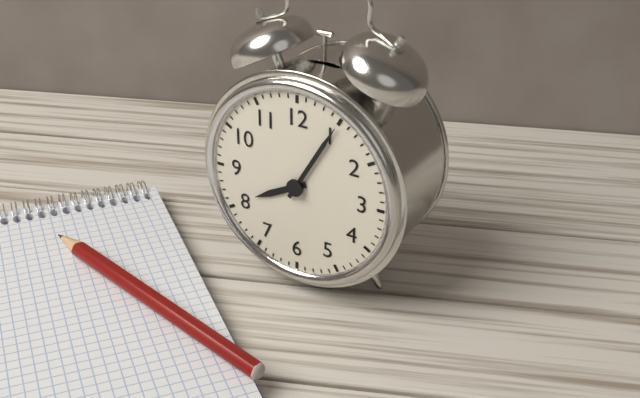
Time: {"hour": 8, "minute": 5}
